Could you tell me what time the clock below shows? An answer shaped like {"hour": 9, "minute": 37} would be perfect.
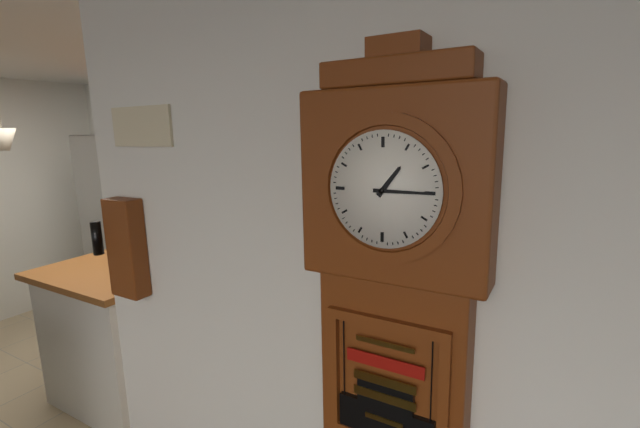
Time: {"hour": 1, "minute": 15}
